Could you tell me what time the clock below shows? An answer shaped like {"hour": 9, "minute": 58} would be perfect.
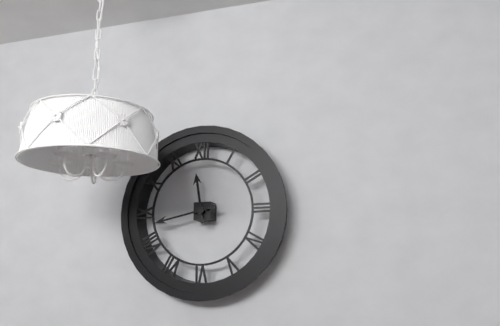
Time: {"hour": 11, "minute": 43}
